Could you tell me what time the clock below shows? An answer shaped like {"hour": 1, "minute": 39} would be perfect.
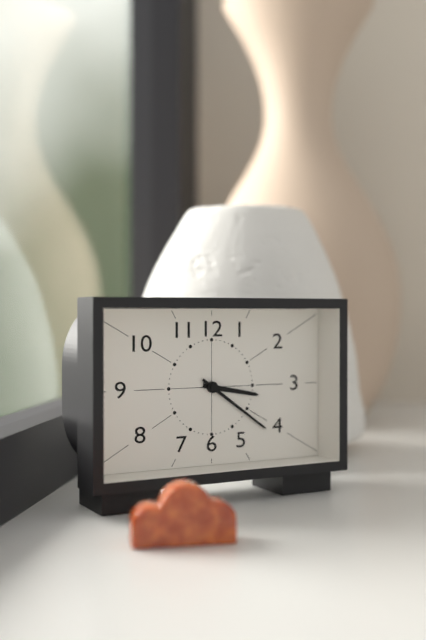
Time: {"hour": 3, "minute": 21}
